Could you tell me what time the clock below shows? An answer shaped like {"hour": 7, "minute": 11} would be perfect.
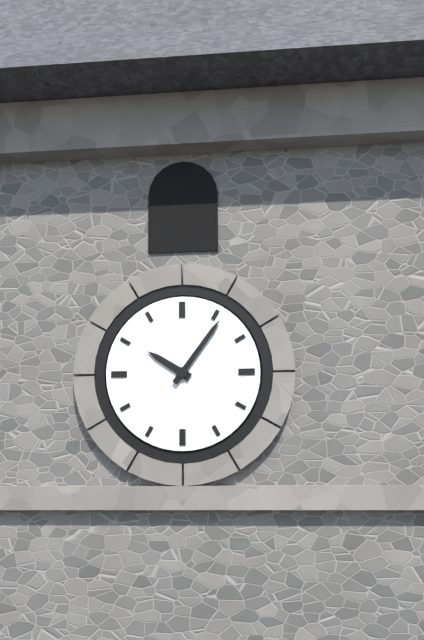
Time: {"hour": 10, "minute": 6}
